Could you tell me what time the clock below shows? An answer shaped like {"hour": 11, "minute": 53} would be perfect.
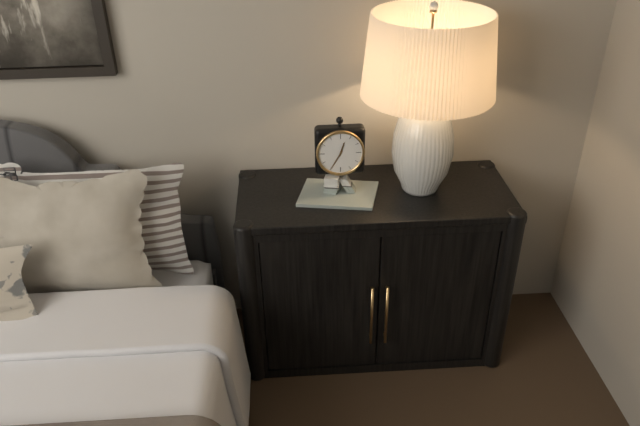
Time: {"hour": 12, "minute": 35}
